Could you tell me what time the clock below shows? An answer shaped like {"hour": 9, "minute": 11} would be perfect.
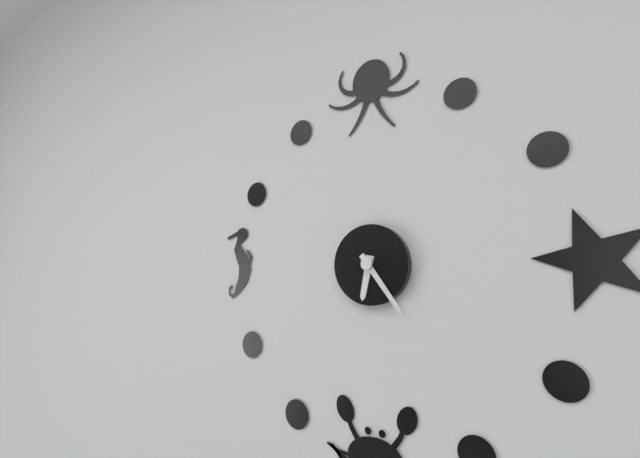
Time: {"hour": 6, "minute": 24}
